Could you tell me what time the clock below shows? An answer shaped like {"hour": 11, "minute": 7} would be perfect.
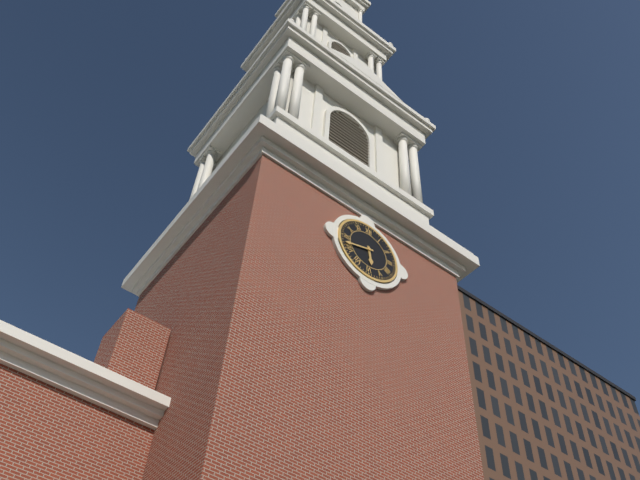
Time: {"hour": 5, "minute": 42}
